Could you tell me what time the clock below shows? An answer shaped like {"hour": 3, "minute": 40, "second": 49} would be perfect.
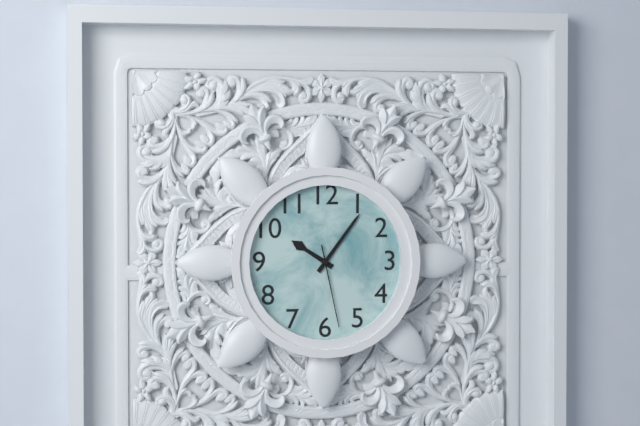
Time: {"hour": 10, "minute": 6, "second": 28}
